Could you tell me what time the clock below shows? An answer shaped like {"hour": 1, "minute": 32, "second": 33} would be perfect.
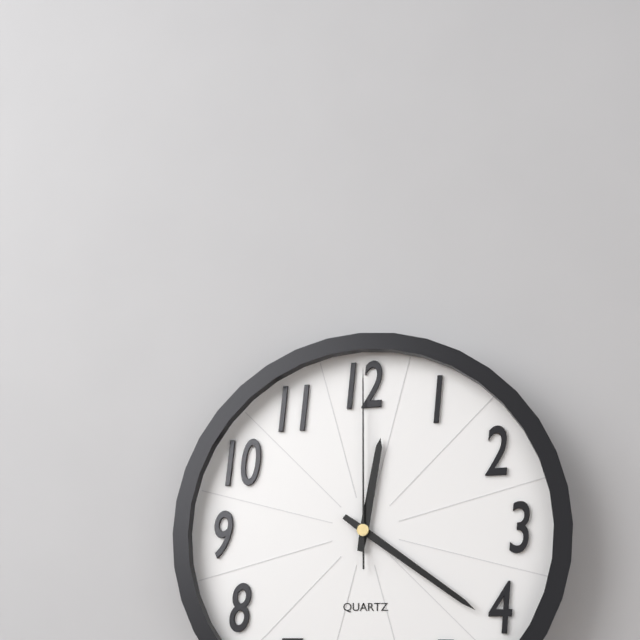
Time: {"hour": 12, "minute": 21, "second": 0}
